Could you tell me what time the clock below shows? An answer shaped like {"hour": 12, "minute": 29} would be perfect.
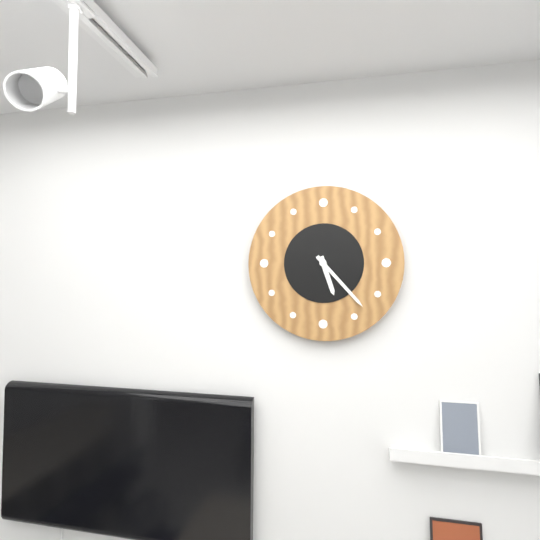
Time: {"hour": 5, "minute": 23}
